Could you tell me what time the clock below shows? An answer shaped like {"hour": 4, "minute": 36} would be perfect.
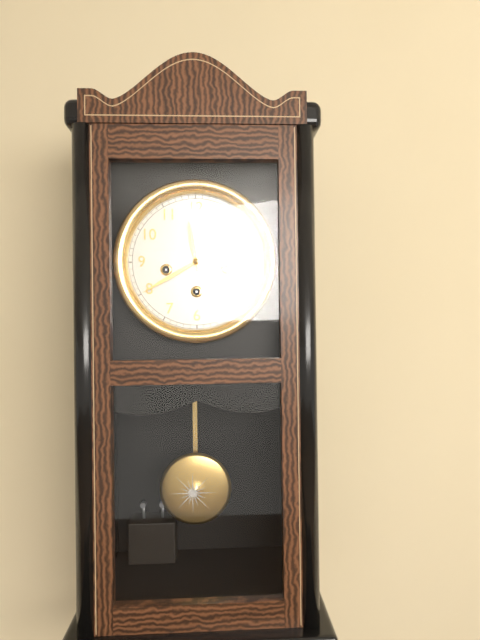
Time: {"hour": 11, "minute": 40}
